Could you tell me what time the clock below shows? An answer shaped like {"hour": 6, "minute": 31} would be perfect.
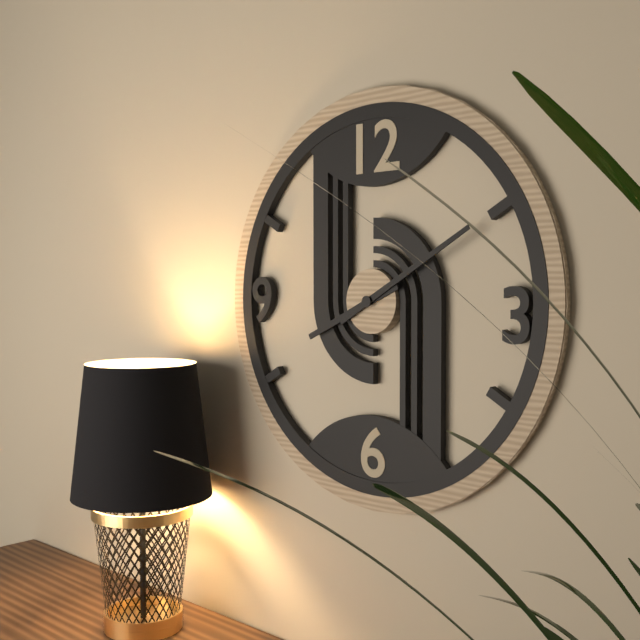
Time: {"hour": 8, "minute": 10}
